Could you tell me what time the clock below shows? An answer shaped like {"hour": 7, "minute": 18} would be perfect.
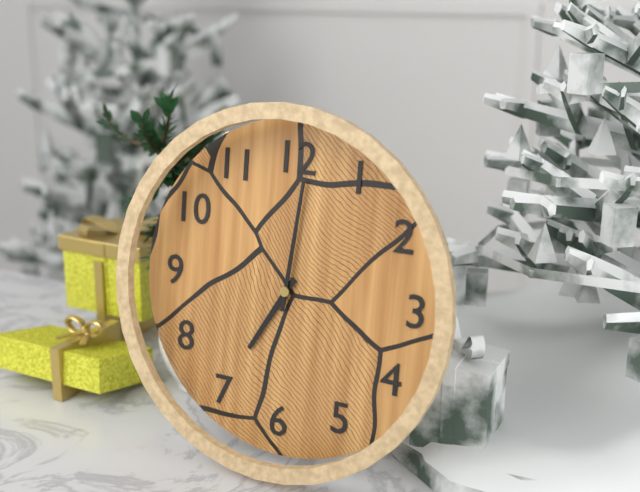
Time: {"hour": 7, "minute": 1}
